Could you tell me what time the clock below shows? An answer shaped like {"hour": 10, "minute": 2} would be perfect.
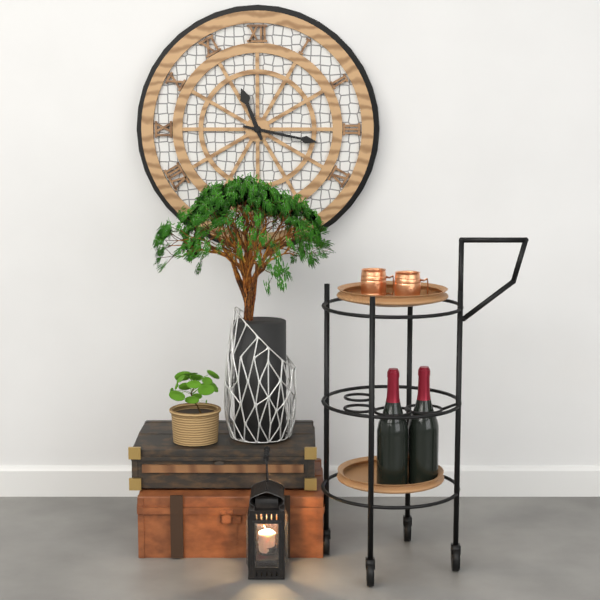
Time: {"hour": 11, "minute": 17}
